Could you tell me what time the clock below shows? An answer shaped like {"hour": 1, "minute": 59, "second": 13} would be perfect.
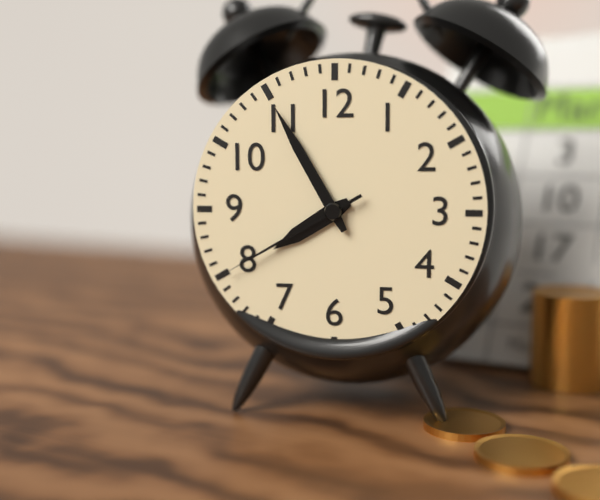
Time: {"hour": 7, "minute": 55, "second": 40}
